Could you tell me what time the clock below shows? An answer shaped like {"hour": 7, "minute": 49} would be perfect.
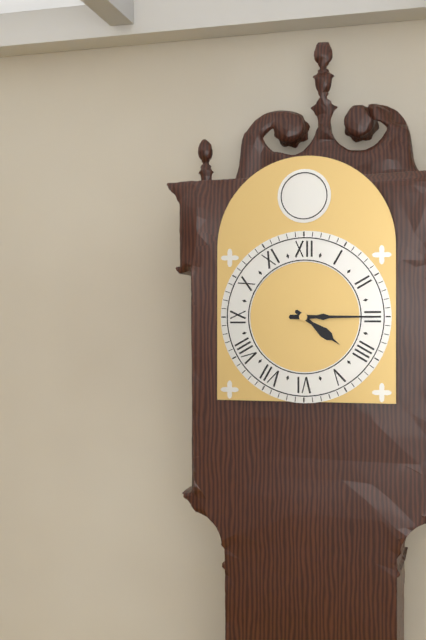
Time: {"hour": 4, "minute": 15}
